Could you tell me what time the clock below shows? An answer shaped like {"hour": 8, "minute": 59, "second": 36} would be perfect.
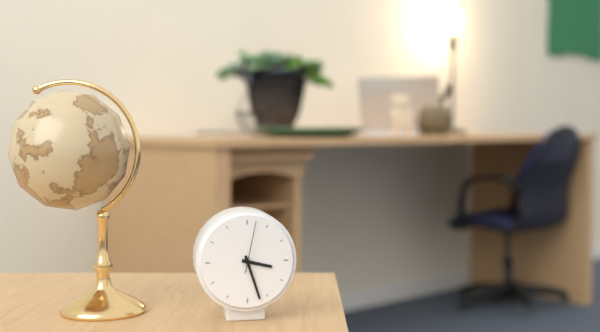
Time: {"hour": 3, "minute": 27, "second": 2}
